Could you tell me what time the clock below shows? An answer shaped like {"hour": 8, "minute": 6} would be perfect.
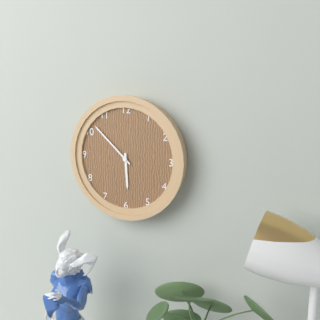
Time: {"hour": 5, "minute": 52}
